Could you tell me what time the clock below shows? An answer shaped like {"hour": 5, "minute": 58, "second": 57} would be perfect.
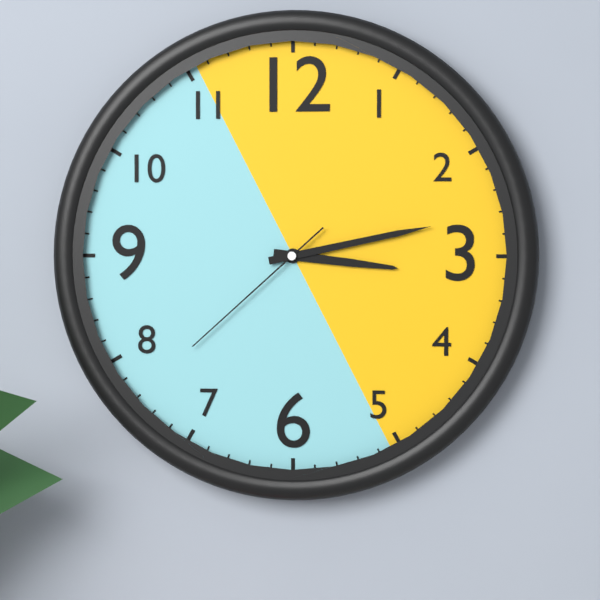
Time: {"hour": 3, "minute": 13, "second": 38}
